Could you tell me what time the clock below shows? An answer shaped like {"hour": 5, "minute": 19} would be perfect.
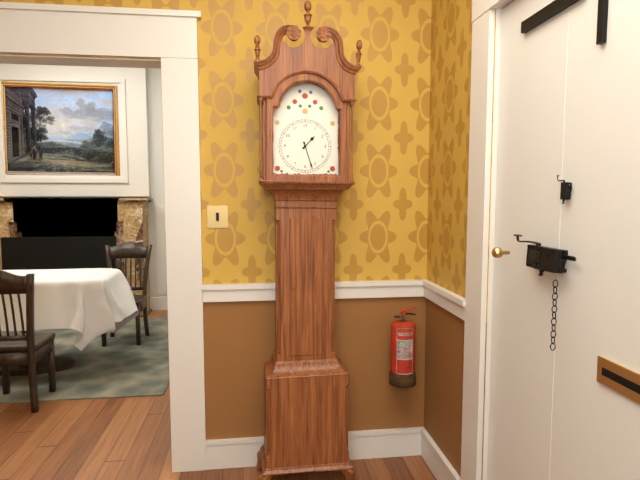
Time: {"hour": 1, "minute": 27}
